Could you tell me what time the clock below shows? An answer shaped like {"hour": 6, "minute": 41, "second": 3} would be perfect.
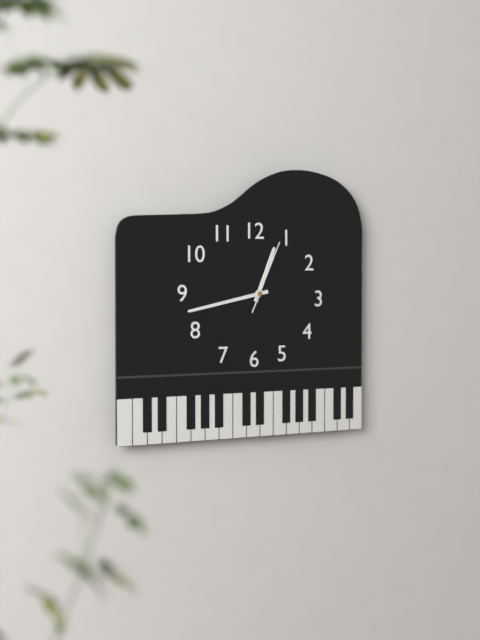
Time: {"hour": 12, "minute": 43, "second": 4}
